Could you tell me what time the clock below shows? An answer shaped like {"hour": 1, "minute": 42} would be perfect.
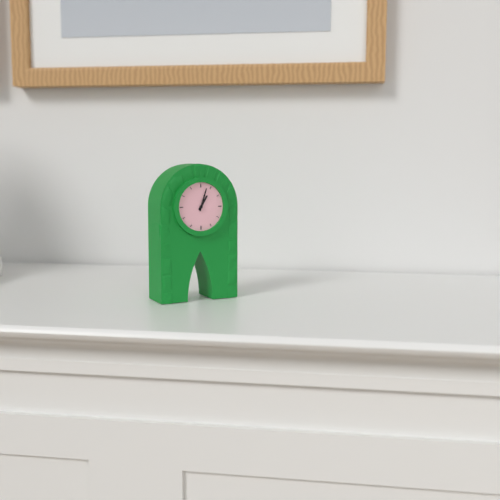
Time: {"hour": 1, "minute": 3}
